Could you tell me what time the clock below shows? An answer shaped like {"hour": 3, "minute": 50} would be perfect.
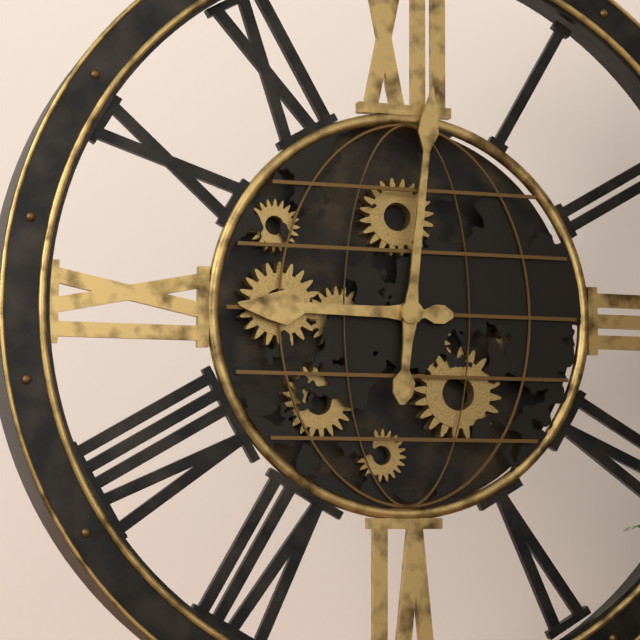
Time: {"hour": 9, "minute": 1}
